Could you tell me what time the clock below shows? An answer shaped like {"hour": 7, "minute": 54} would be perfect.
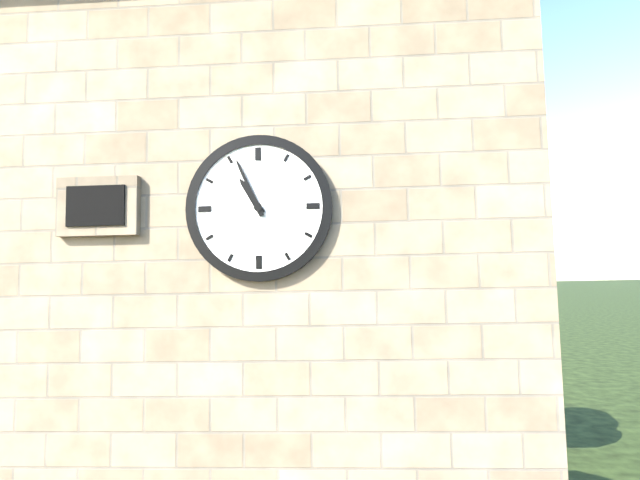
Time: {"hour": 10, "minute": 56}
